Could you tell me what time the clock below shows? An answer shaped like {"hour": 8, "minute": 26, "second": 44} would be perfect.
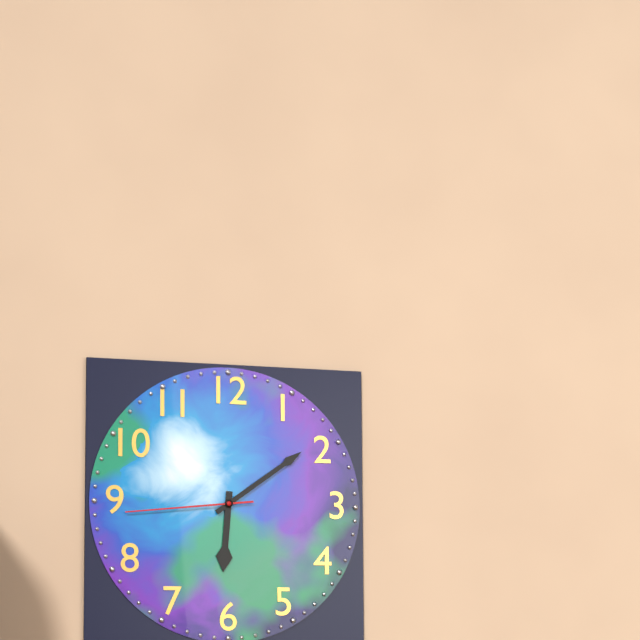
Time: {"hour": 6, "minute": 9, "second": 44}
